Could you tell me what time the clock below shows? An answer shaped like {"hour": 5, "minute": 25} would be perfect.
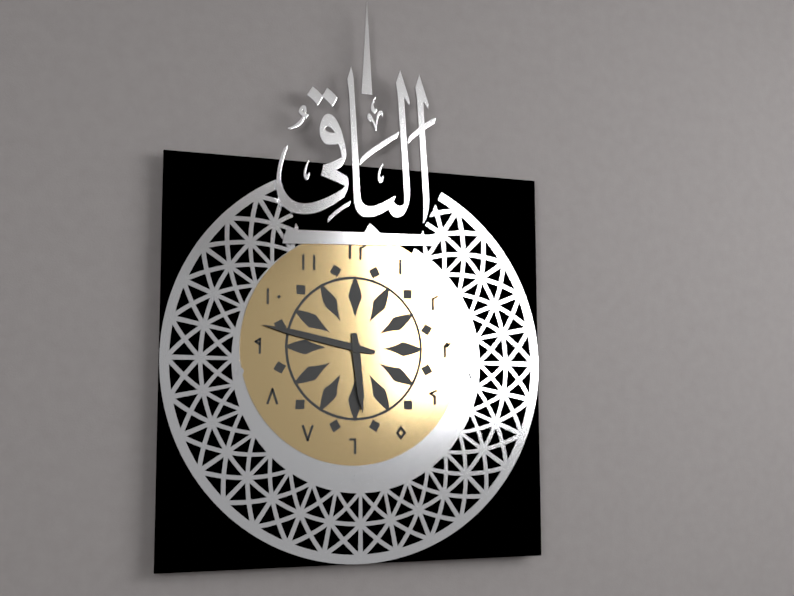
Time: {"hour": 5, "minute": 47}
